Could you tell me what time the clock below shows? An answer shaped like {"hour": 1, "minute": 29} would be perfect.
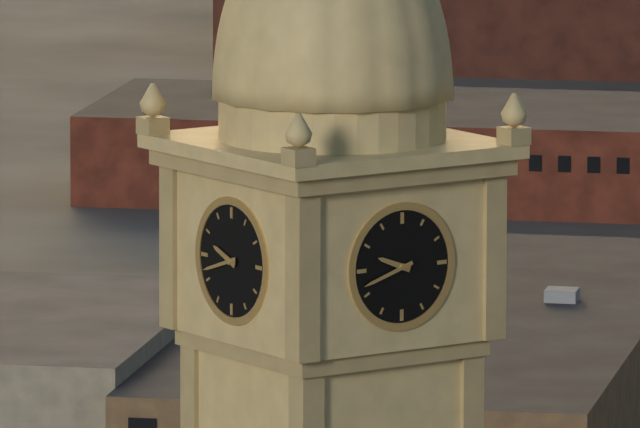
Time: {"hour": 9, "minute": 42}
